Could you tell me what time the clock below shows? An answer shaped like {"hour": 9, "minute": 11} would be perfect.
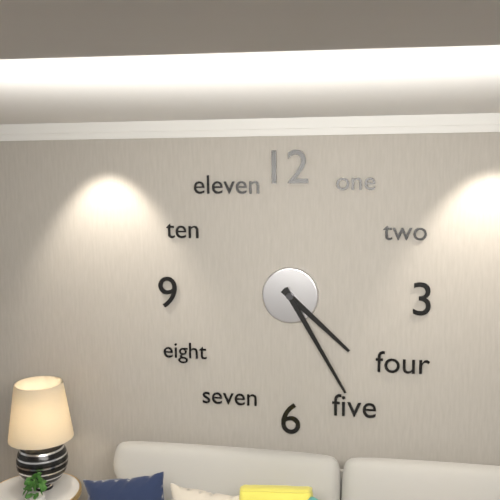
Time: {"hour": 4, "minute": 25}
